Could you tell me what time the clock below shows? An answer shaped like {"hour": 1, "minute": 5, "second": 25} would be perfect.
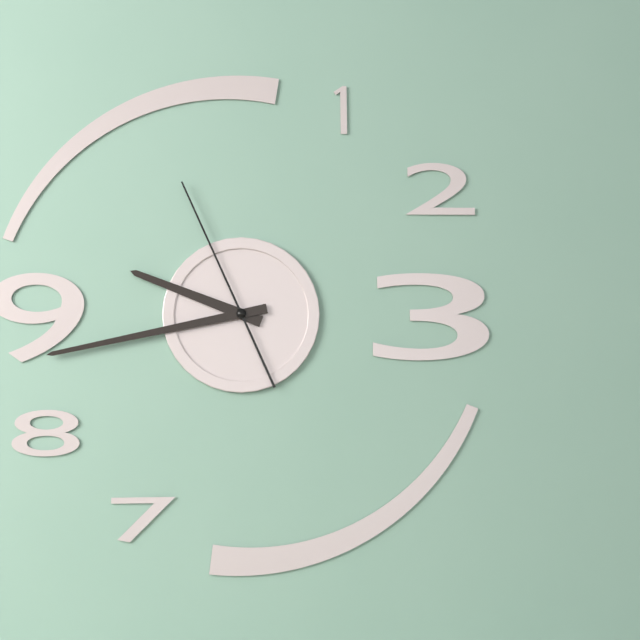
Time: {"hour": 9, "minute": 43, "second": 56}
